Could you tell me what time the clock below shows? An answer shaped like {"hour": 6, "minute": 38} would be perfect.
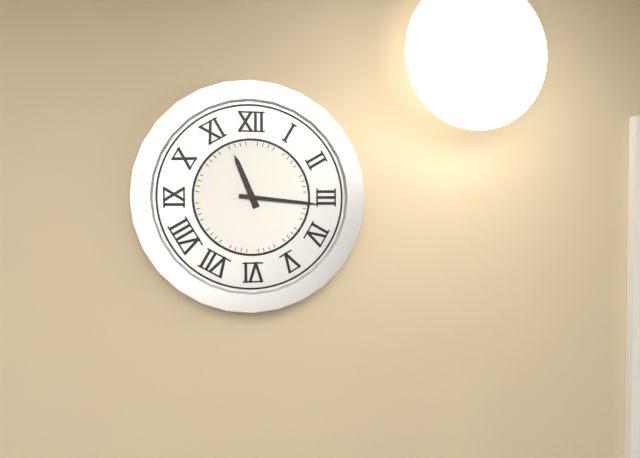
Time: {"hour": 11, "minute": 16}
